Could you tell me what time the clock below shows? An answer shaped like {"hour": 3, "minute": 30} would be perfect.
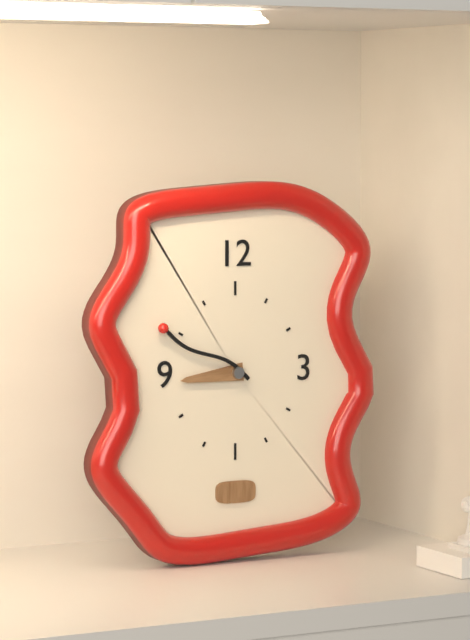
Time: {"hour": 8, "minute": 50}
